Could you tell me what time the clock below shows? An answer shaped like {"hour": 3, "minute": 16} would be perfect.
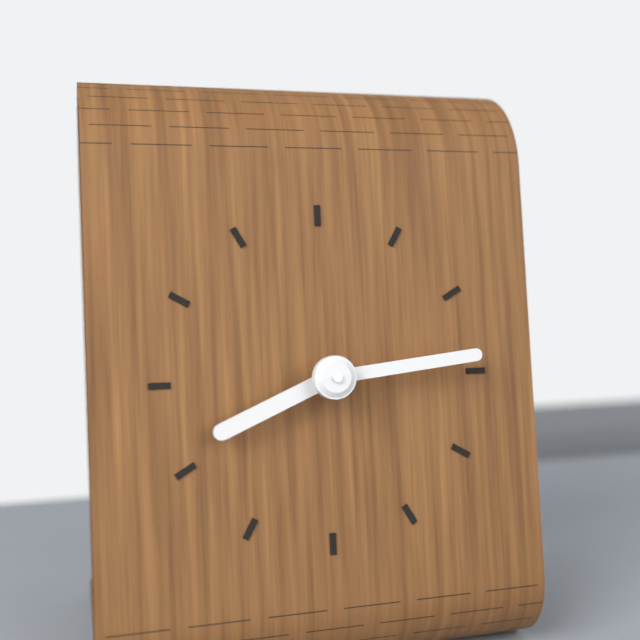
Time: {"hour": 8, "minute": 14}
